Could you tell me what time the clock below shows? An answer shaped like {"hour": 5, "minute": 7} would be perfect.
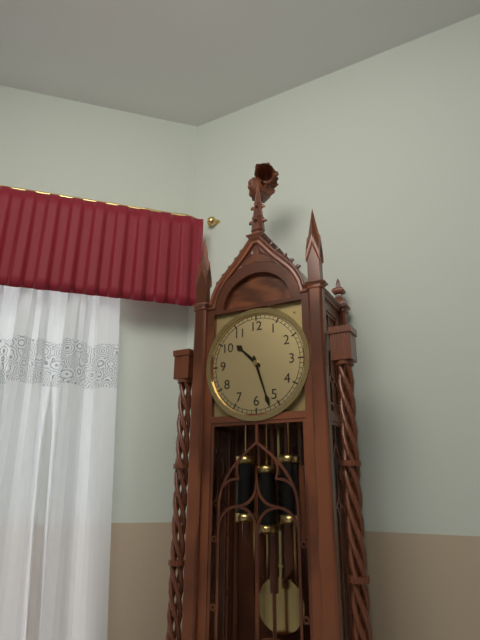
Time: {"hour": 10, "minute": 27}
